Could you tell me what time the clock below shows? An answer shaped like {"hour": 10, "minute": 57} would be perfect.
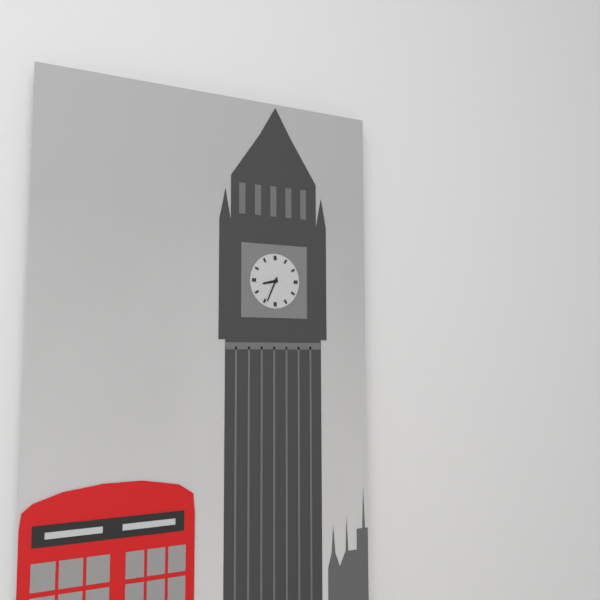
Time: {"hour": 8, "minute": 34}
